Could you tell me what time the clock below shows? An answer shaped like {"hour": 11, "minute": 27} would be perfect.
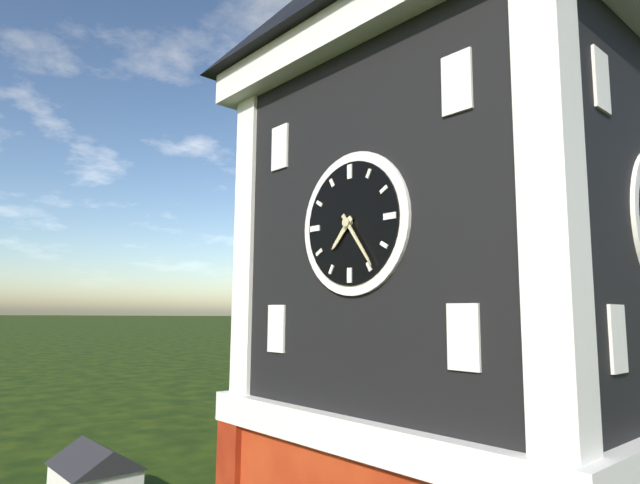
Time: {"hour": 7, "minute": 24}
